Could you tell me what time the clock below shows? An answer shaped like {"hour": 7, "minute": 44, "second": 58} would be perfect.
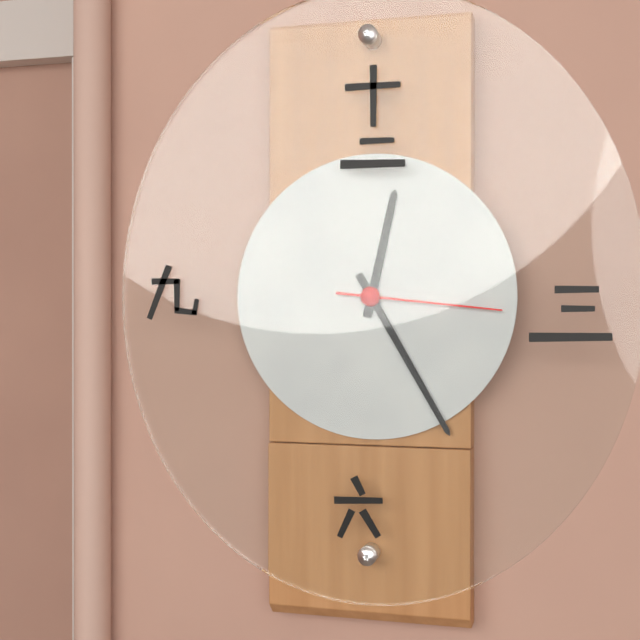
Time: {"hour": 12, "minute": 25, "second": 16}
